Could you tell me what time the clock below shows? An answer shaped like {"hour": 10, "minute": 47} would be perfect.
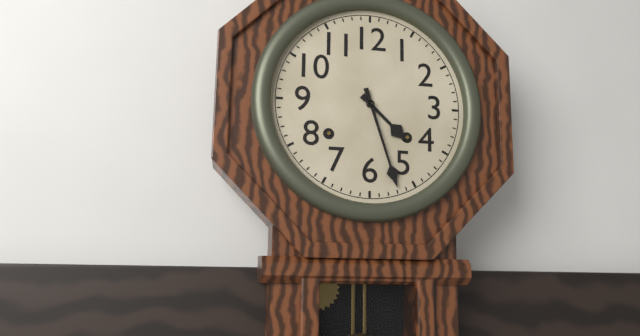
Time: {"hour": 4, "minute": 27}
